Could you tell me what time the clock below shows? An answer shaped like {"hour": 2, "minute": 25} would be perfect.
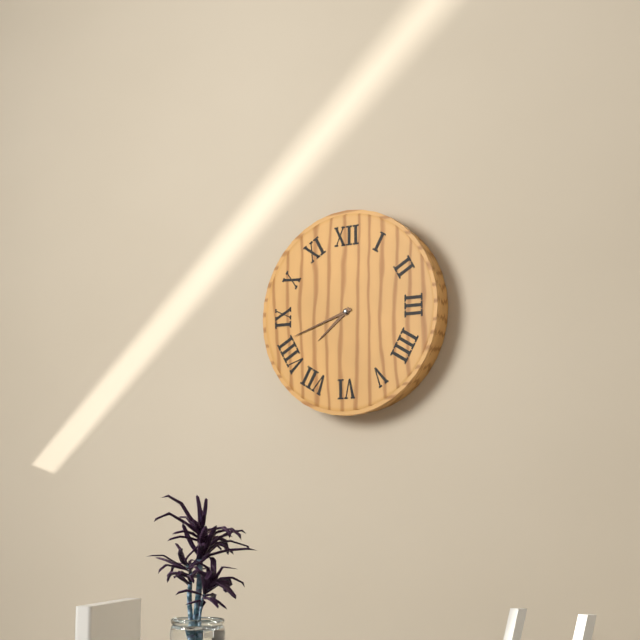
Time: {"hour": 7, "minute": 42}
